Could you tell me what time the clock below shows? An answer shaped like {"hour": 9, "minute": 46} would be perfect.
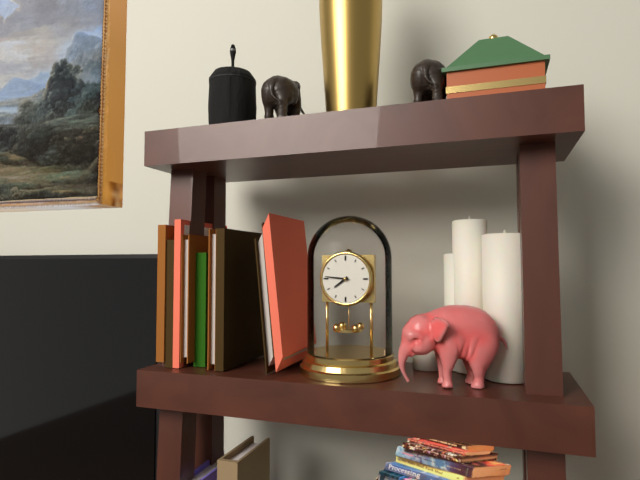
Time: {"hour": 7, "minute": 46}
